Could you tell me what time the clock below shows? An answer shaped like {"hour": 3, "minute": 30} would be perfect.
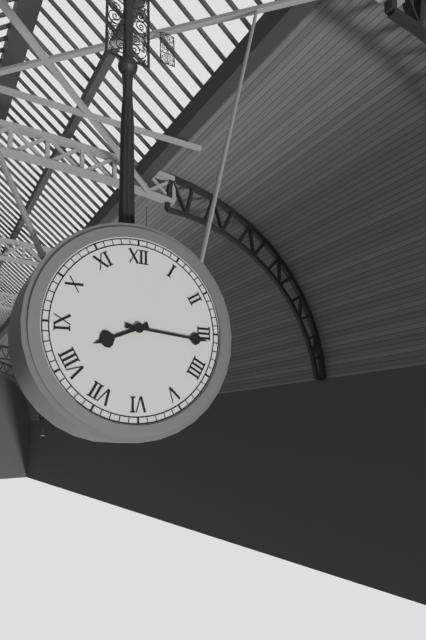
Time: {"hour": 8, "minute": 16}
